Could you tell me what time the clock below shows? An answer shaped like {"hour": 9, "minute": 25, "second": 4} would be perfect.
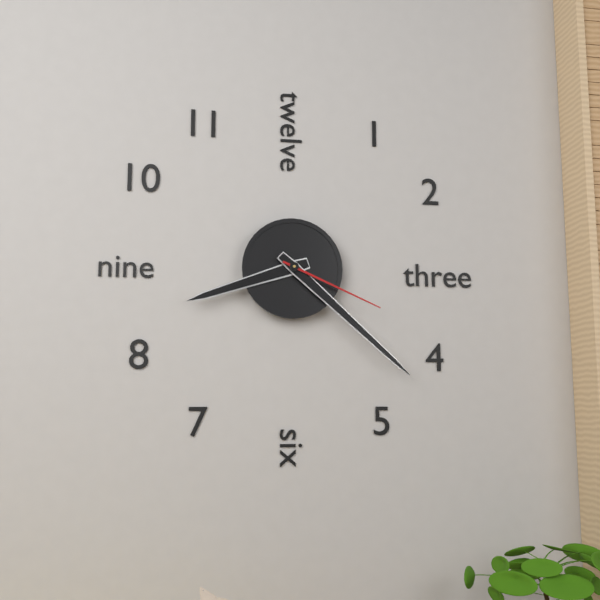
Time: {"hour": 8, "minute": 22, "second": 19}
